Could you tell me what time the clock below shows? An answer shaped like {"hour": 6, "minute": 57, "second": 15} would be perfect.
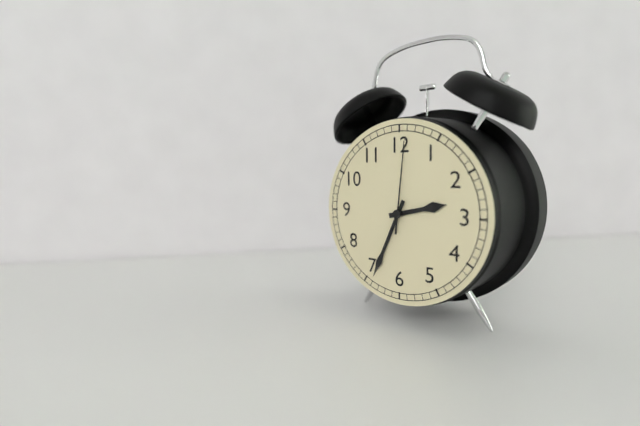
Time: {"hour": 2, "minute": 34, "second": 1}
